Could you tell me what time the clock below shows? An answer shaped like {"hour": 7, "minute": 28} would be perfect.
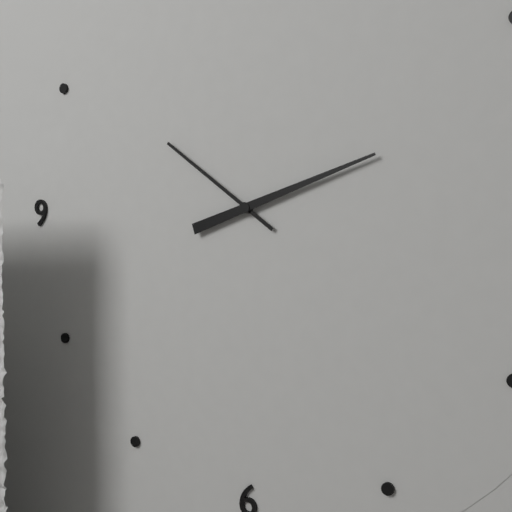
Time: {"hour": 10, "minute": 12}
